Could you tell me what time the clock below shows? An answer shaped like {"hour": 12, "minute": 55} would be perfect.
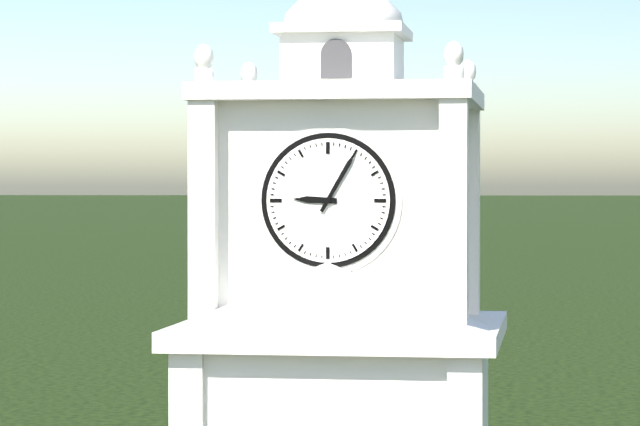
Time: {"hour": 9, "minute": 5}
